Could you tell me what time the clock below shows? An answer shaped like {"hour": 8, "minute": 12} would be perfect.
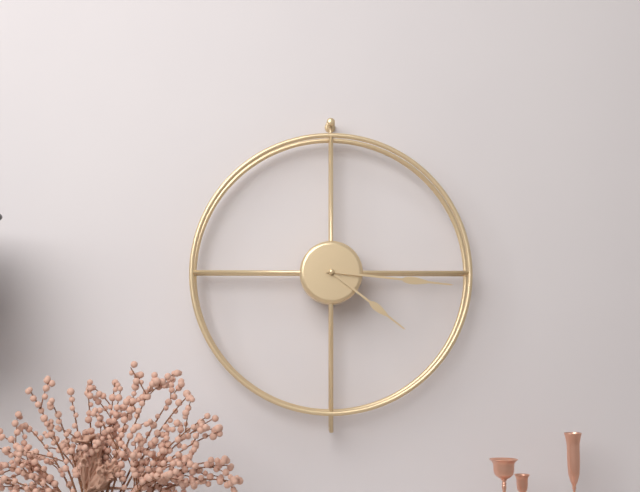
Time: {"hour": 4, "minute": 16}
